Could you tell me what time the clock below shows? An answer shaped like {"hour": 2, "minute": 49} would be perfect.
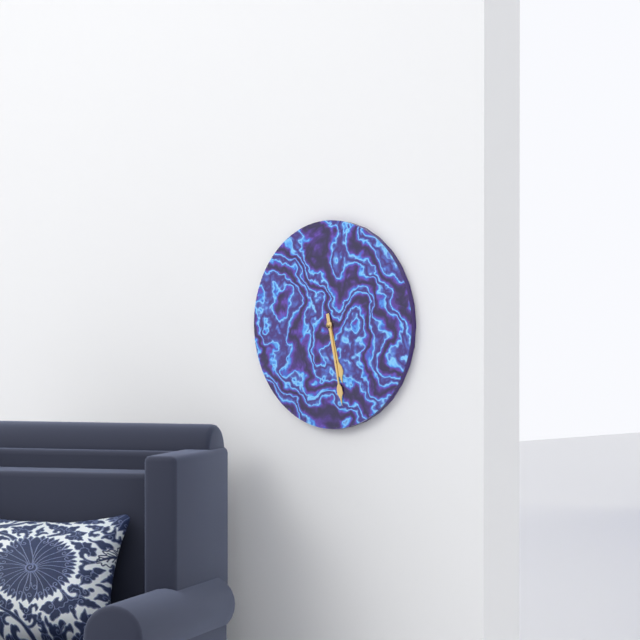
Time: {"hour": 5, "minute": 28}
